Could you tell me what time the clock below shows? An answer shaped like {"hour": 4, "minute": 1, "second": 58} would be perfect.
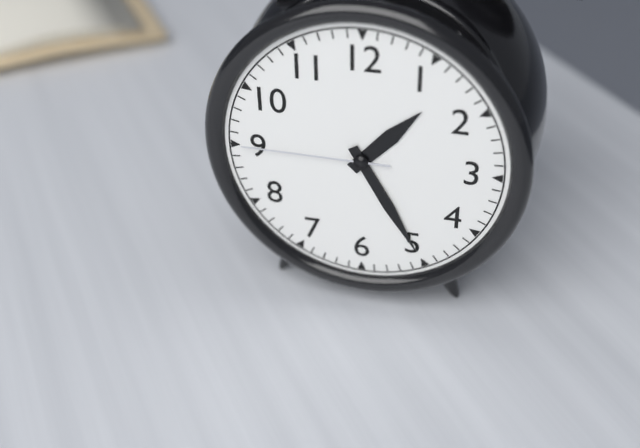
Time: {"hour": 1, "minute": 25, "second": 45}
